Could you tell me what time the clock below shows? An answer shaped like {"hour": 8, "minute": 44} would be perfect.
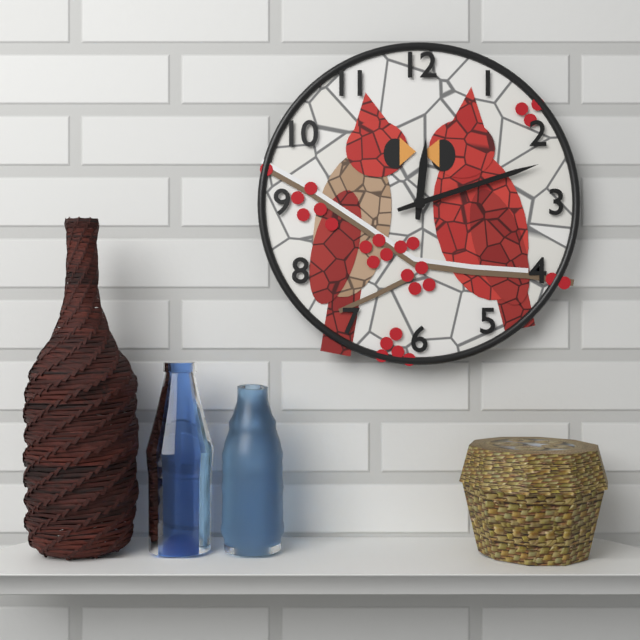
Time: {"hour": 12, "minute": 12}
